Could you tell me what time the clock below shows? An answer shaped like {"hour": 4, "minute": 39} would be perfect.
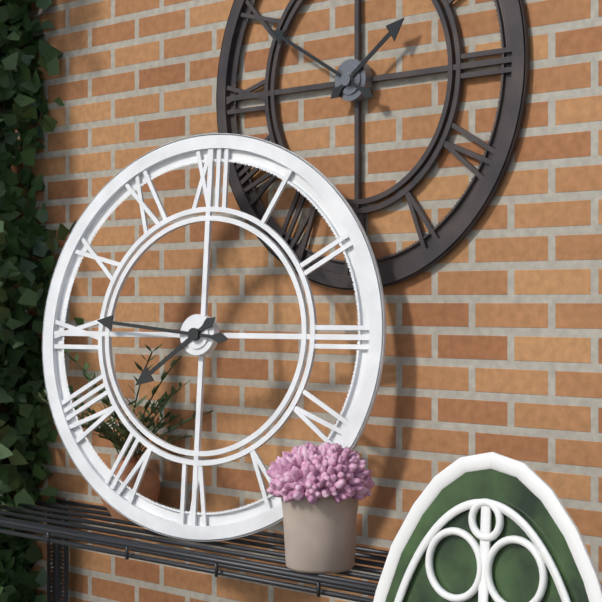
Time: {"hour": 7, "minute": 46}
